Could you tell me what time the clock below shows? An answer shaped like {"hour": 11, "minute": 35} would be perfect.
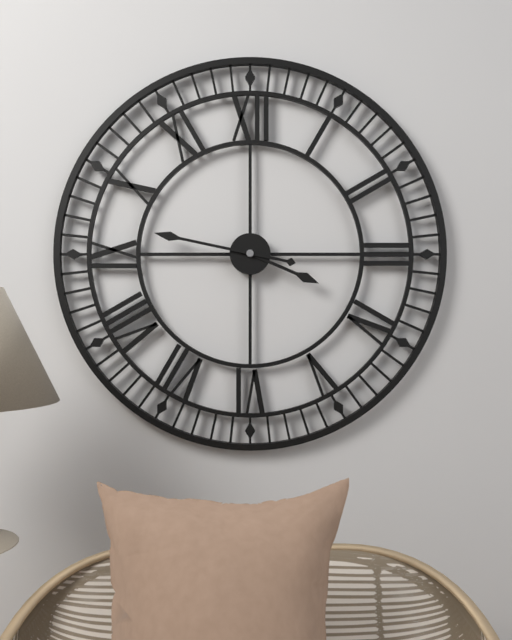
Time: {"hour": 3, "minute": 47}
